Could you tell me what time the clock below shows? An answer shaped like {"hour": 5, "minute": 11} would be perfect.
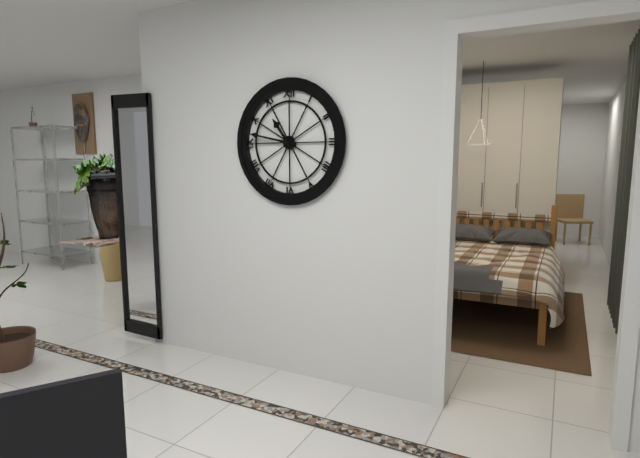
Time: {"hour": 10, "minute": 47}
